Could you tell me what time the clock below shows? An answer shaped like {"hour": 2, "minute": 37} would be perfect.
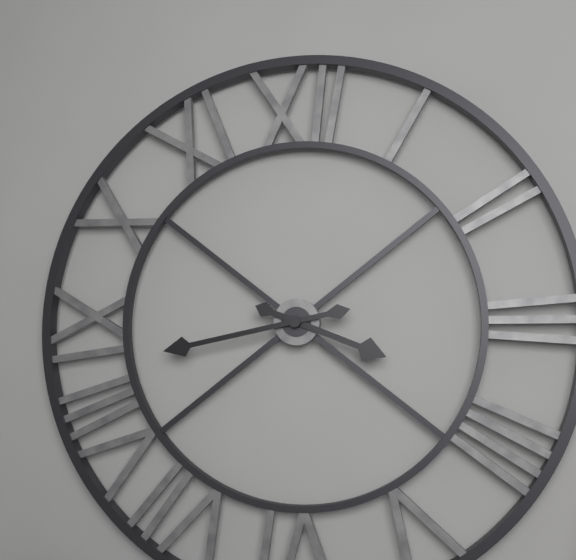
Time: {"hour": 3, "minute": 43}
